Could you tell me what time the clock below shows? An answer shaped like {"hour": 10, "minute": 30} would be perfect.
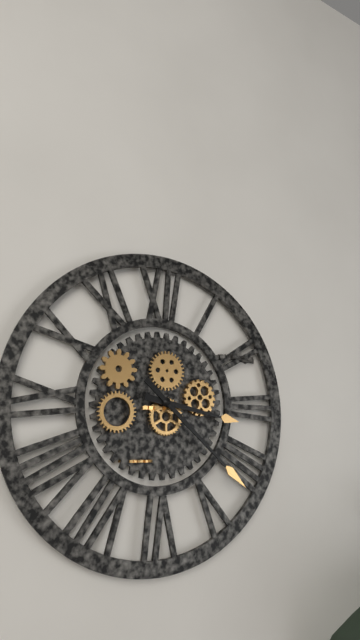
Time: {"hour": 3, "minute": 22}
